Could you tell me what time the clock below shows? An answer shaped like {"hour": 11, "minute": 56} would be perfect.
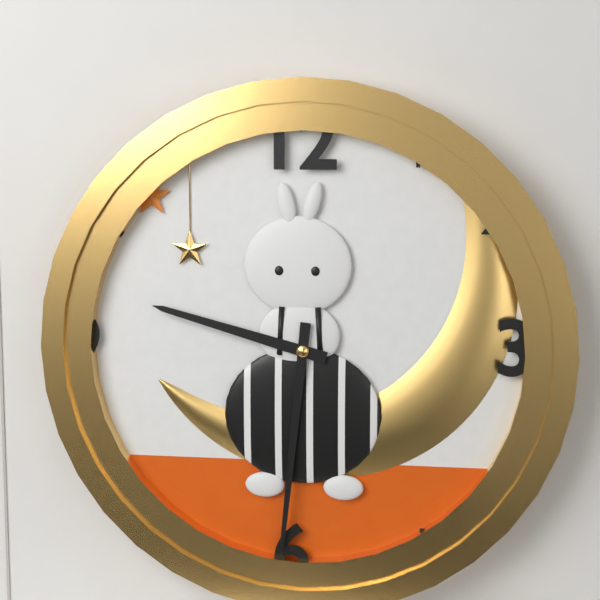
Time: {"hour": 9, "minute": 31}
